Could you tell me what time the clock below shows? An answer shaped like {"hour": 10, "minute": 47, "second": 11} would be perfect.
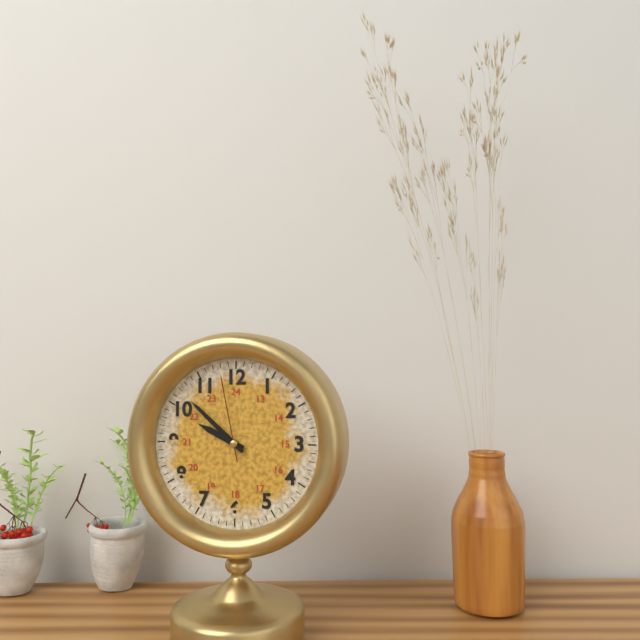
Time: {"hour": 9, "minute": 52, "second": 58}
